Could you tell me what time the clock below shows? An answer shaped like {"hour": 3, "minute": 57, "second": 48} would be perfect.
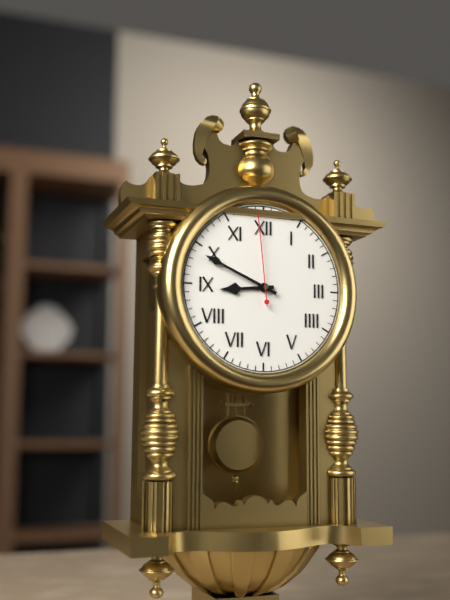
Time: {"hour": 8, "minute": 49, "second": 59}
